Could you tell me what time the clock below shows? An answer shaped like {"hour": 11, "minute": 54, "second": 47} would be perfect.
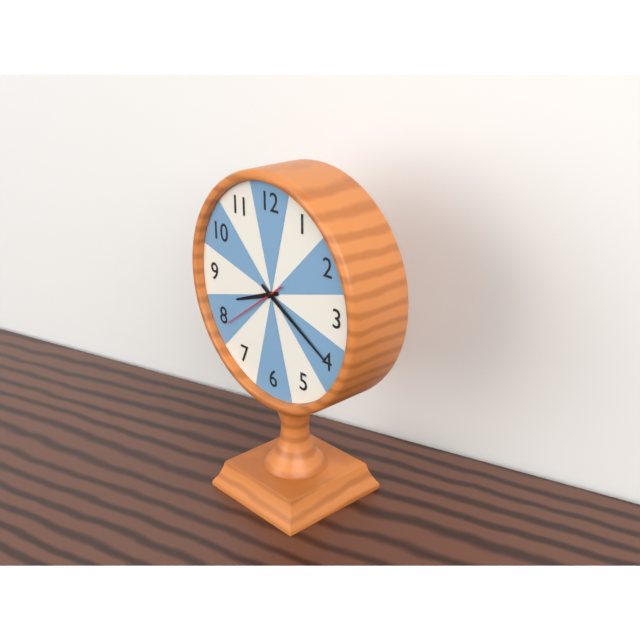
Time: {"hour": 8, "minute": 20, "second": 39}
